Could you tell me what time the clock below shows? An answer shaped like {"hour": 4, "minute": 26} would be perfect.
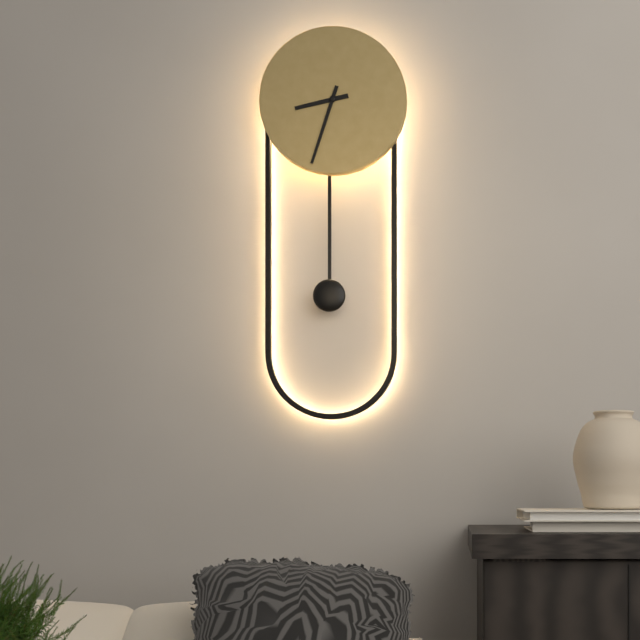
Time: {"hour": 8, "minute": 33}
